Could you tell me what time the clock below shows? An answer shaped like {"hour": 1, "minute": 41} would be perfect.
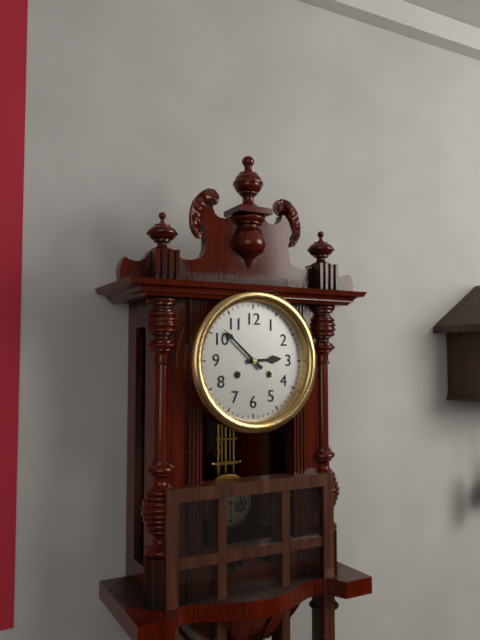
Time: {"hour": 2, "minute": 52}
